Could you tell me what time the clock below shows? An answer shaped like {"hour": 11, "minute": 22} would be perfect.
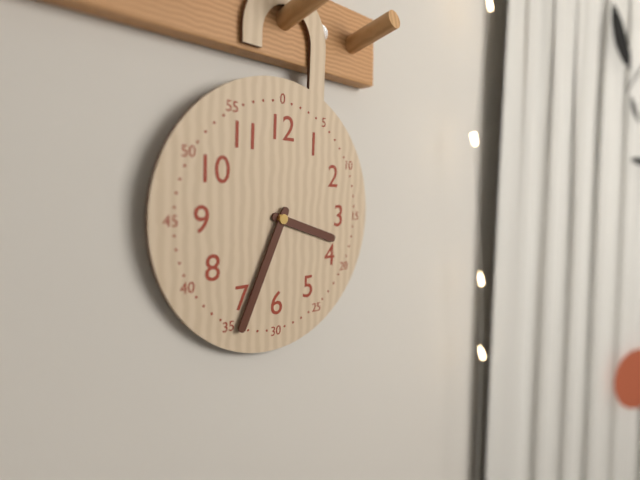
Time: {"hour": 3, "minute": 34}
